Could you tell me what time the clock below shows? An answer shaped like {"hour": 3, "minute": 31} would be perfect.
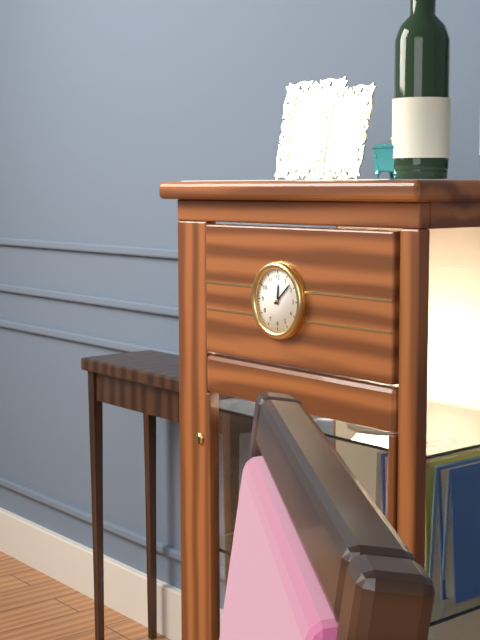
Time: {"hour": 12, "minute": 8}
